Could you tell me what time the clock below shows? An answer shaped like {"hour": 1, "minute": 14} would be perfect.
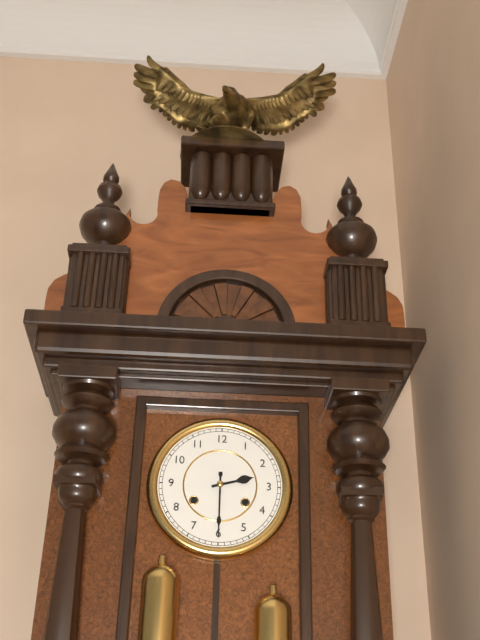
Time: {"hour": 2, "minute": 30}
